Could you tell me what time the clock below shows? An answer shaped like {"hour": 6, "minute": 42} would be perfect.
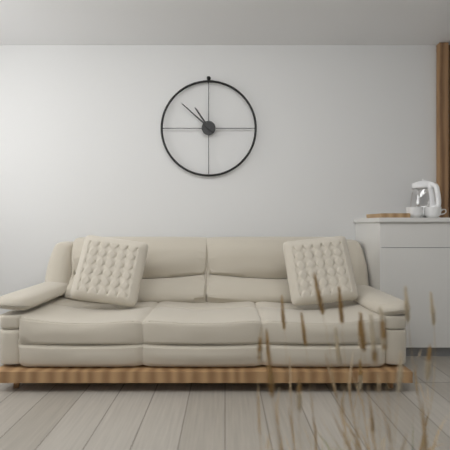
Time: {"hour": 10, "minute": 52}
